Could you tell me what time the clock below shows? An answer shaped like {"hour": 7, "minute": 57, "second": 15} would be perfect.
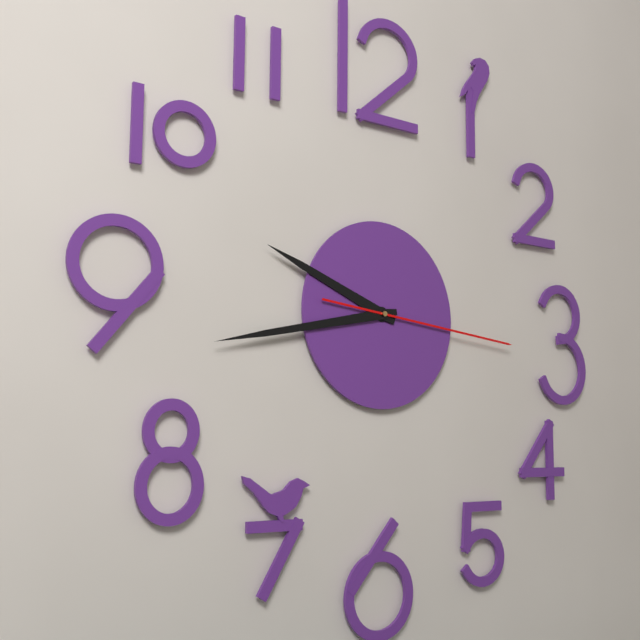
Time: {"hour": 9, "minute": 43, "second": 16}
